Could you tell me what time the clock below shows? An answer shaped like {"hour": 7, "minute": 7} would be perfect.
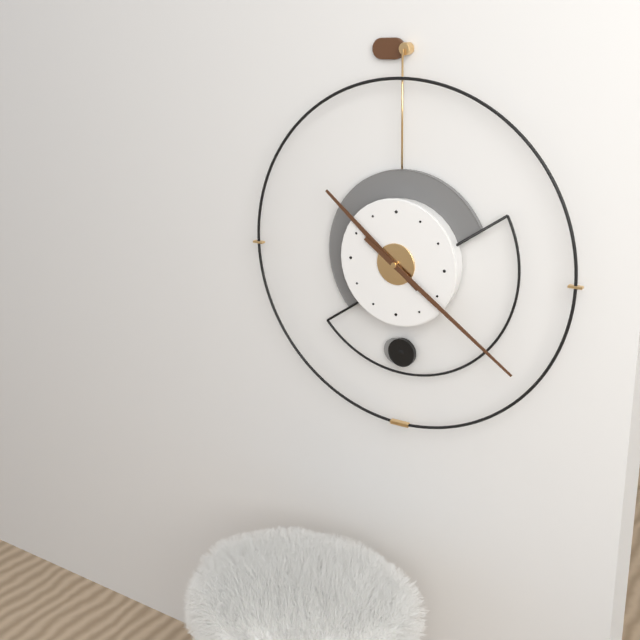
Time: {"hour": 10, "minute": 21}
